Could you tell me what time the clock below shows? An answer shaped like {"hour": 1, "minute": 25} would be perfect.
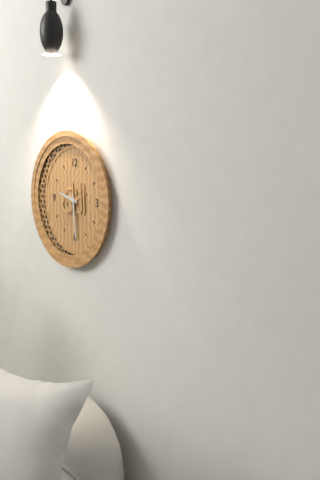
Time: {"hour": 9, "minute": 29}
